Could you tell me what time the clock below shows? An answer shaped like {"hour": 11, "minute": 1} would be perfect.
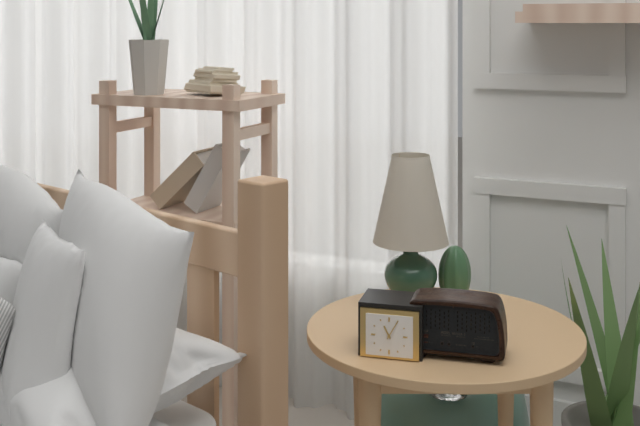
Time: {"hour": 11, "minute": 5}
